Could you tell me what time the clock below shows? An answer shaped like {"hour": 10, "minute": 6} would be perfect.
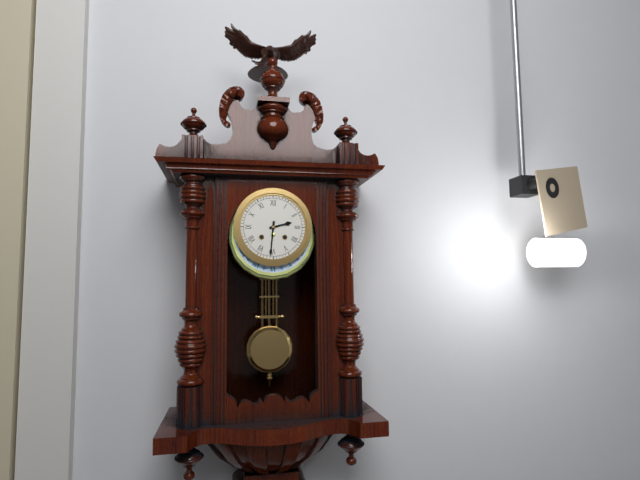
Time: {"hour": 2, "minute": 31}
